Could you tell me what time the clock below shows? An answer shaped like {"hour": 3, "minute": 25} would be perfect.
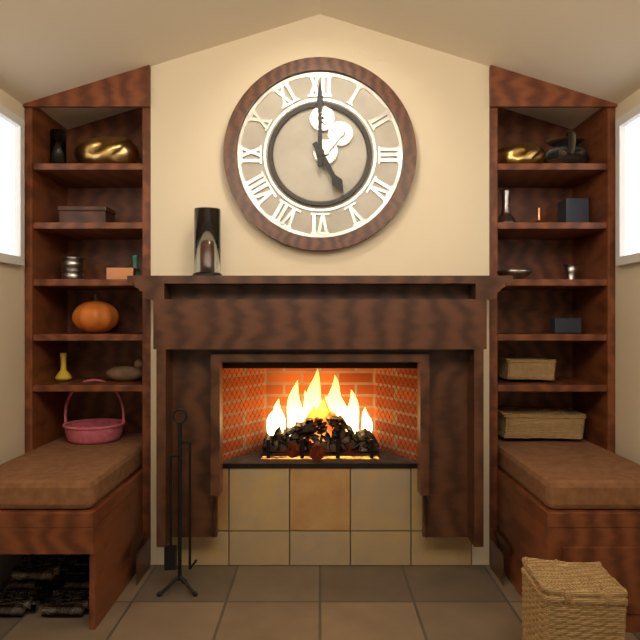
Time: {"hour": 5, "minute": 0}
